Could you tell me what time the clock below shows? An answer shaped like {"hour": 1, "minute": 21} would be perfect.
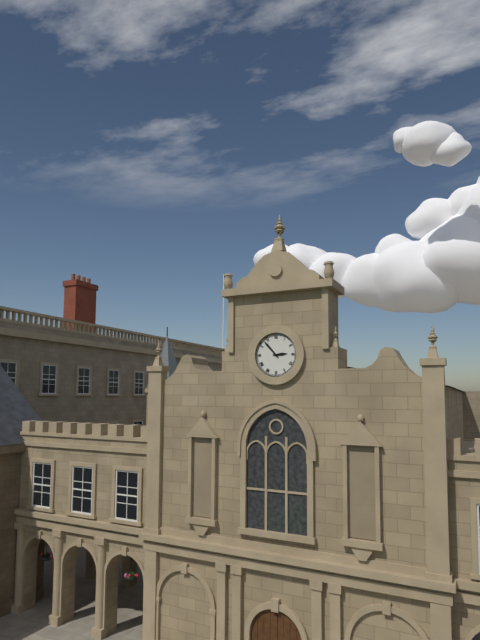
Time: {"hour": 2, "minute": 53}
